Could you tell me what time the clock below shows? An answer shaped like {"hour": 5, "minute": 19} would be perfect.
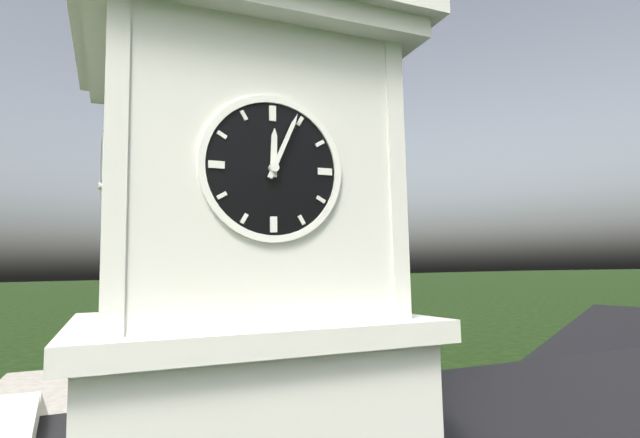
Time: {"hour": 12, "minute": 4}
